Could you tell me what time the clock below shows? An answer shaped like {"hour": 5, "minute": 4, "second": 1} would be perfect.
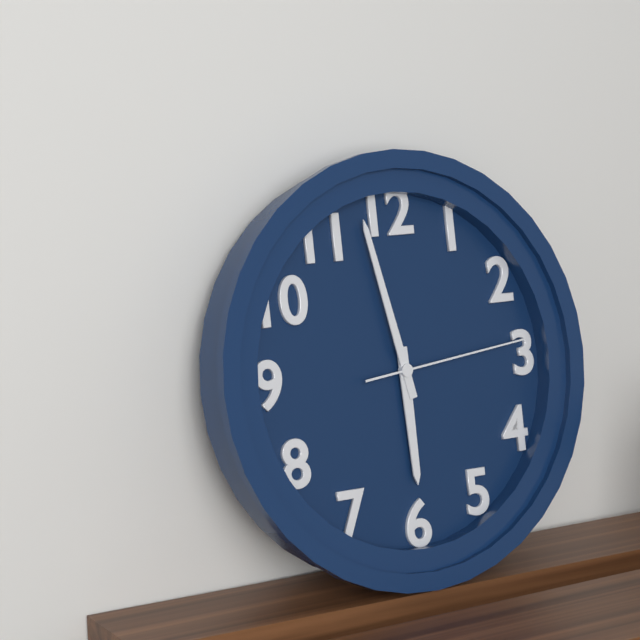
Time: {"hour": 5, "minute": 58, "second": 14}
